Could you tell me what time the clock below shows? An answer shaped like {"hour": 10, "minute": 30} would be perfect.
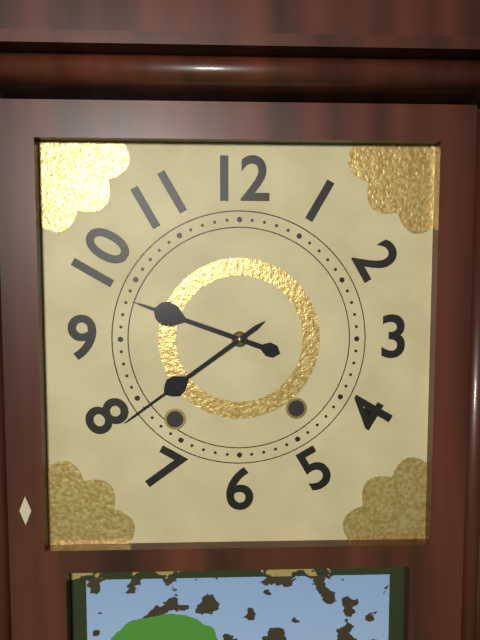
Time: {"hour": 9, "minute": 39}
